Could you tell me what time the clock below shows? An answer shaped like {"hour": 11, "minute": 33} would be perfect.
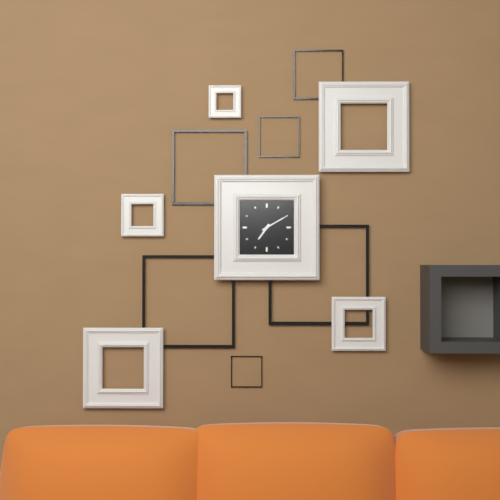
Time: {"hour": 7, "minute": 10}
